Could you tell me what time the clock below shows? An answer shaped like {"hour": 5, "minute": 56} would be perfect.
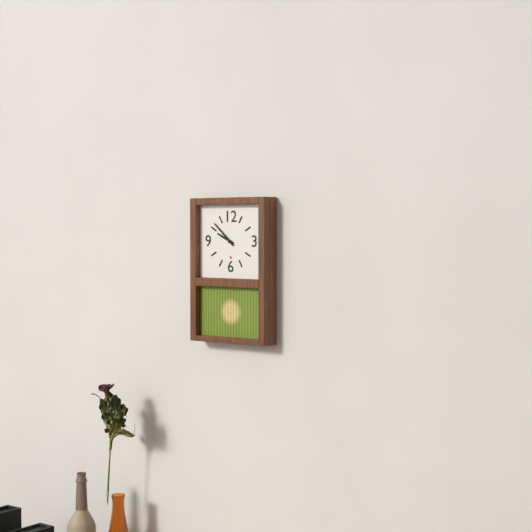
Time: {"hour": 9, "minute": 52}
